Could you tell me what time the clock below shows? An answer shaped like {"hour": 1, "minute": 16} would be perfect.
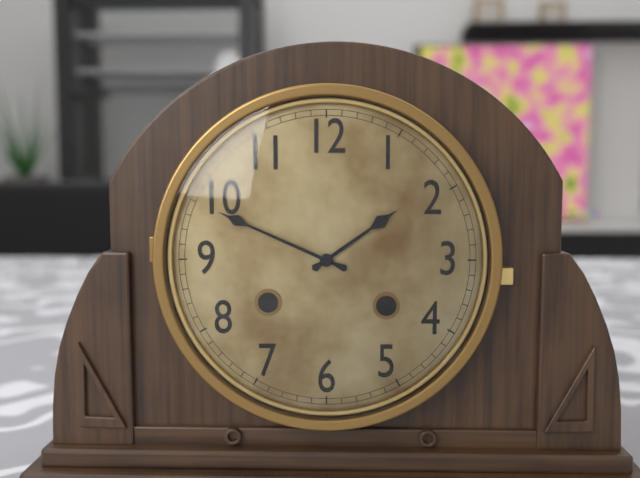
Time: {"hour": 1, "minute": 49}
